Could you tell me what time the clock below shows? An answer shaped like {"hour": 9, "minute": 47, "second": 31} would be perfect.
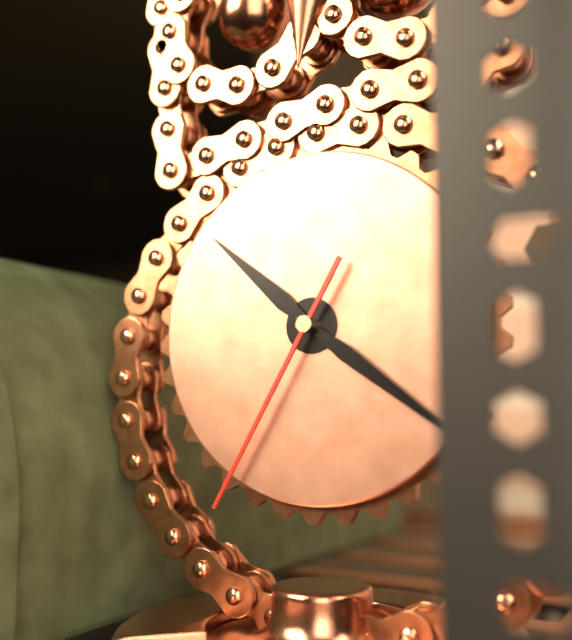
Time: {"hour": 10, "minute": 21, "second": 35}
